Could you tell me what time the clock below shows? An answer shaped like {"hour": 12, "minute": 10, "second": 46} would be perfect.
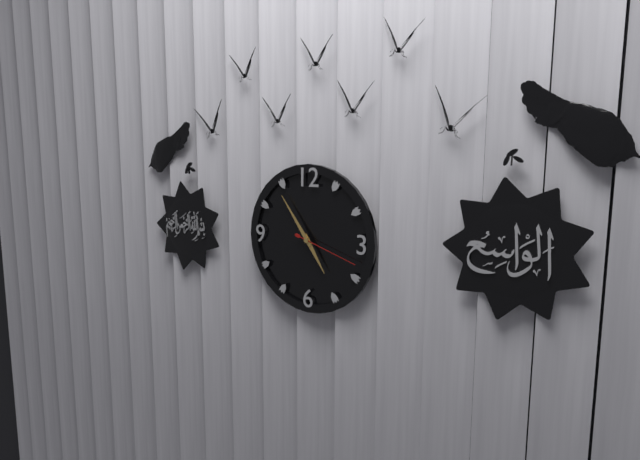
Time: {"hour": 4, "minute": 54, "second": 18}
